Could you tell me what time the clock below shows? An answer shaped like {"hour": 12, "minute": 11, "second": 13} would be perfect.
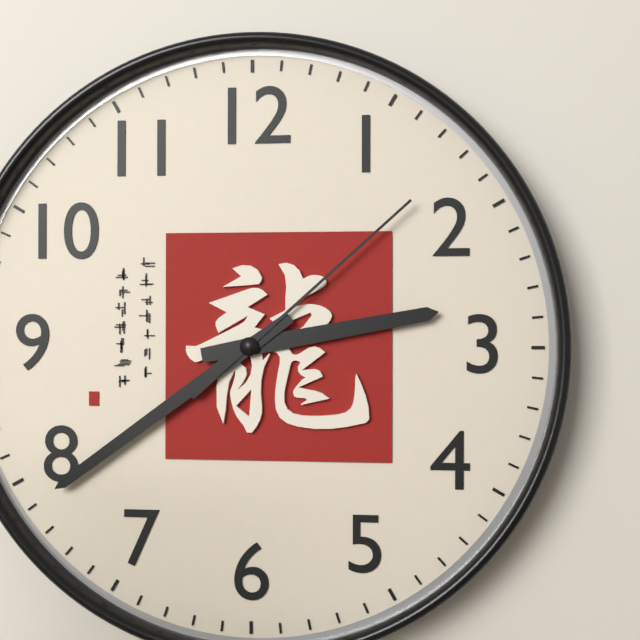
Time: {"hour": 2, "minute": 39, "second": 8}
